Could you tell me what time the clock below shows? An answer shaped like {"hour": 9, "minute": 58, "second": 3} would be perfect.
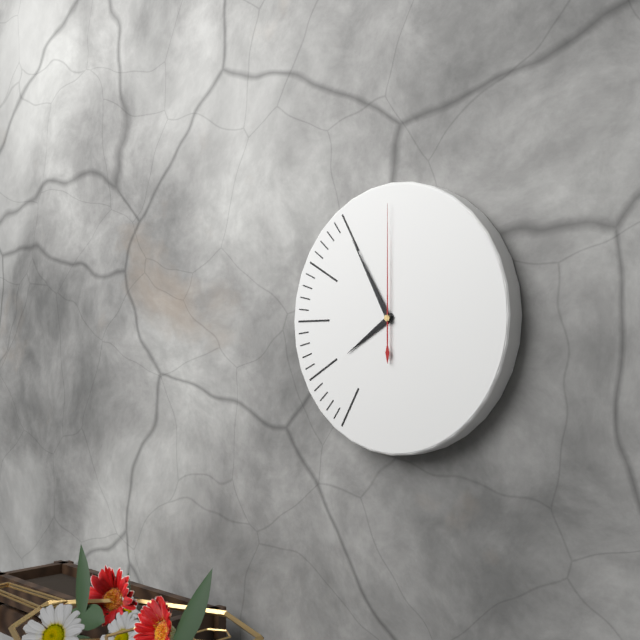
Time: {"hour": 7, "minute": 55, "second": 0}
